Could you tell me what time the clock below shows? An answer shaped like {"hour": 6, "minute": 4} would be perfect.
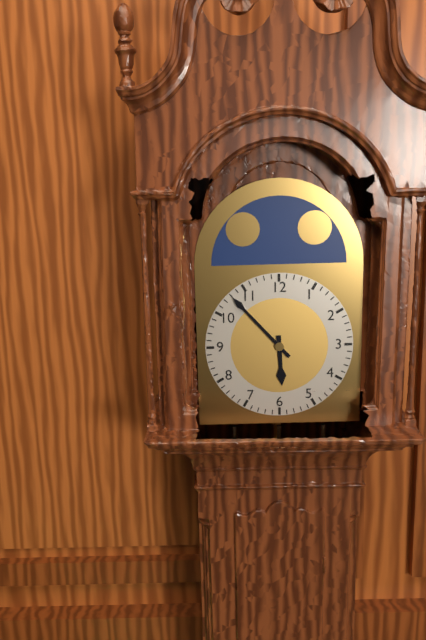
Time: {"hour": 5, "minute": 53}
